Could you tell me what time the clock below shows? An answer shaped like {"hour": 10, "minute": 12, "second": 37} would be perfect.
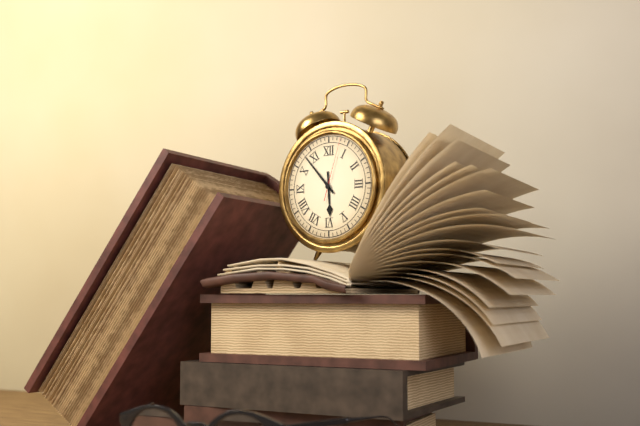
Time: {"hour": 5, "minute": 53, "second": 3}
